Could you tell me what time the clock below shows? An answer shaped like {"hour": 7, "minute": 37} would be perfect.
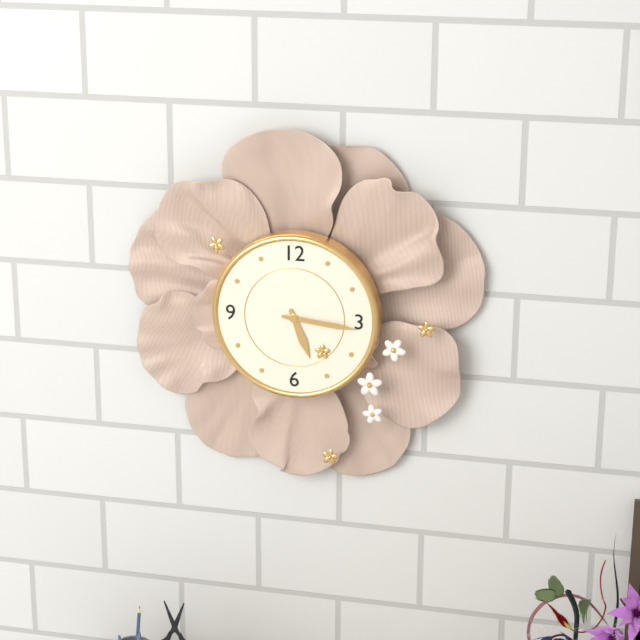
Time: {"hour": 5, "minute": 16}
